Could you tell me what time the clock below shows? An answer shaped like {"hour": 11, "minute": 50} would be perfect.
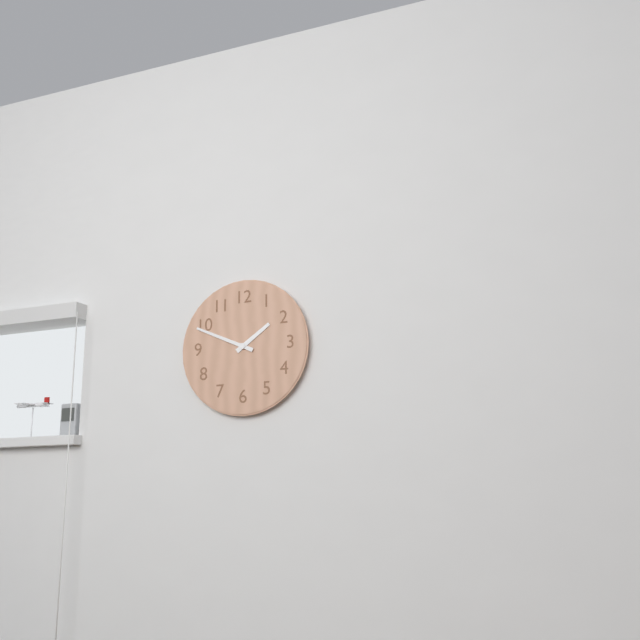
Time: {"hour": 1, "minute": 49}
